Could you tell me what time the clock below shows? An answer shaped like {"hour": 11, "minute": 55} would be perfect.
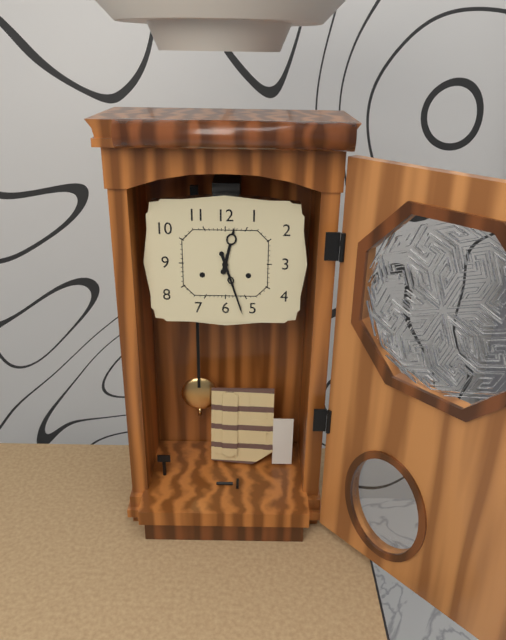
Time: {"hour": 12, "minute": 27}
